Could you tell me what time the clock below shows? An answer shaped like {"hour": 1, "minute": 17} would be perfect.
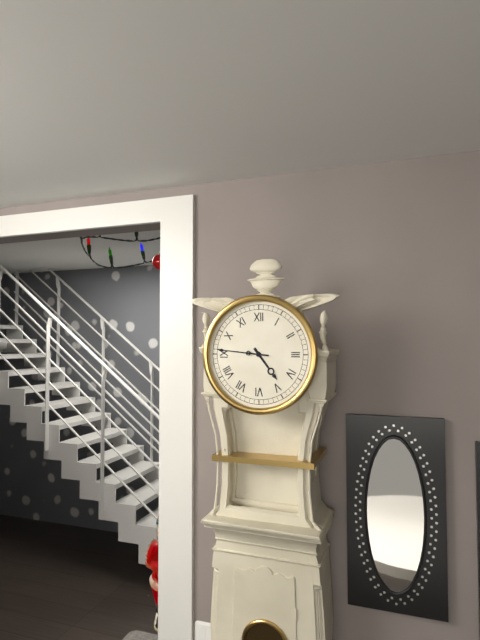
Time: {"hour": 4, "minute": 46}
